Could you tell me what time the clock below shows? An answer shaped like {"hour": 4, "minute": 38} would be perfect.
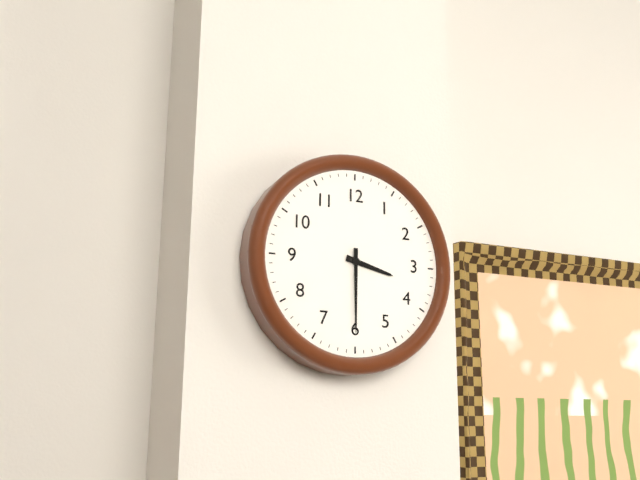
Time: {"hour": 3, "minute": 30}
